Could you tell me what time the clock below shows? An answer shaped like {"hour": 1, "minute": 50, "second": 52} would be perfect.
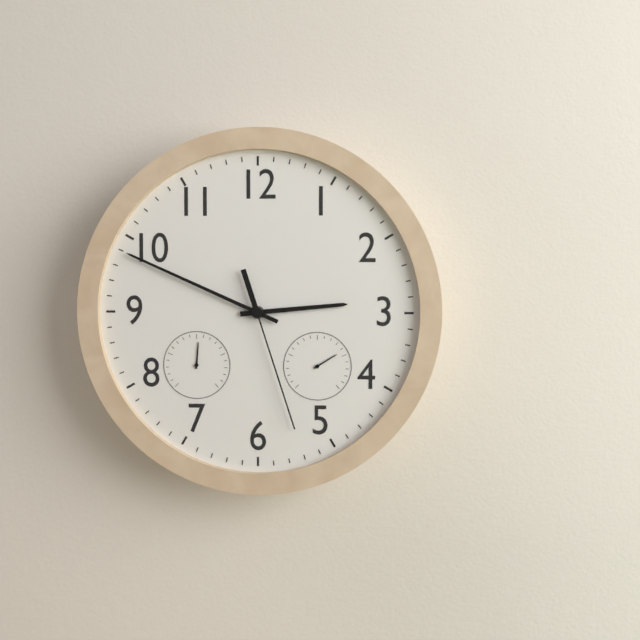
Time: {"hour": 2, "minute": 49, "second": 27}
